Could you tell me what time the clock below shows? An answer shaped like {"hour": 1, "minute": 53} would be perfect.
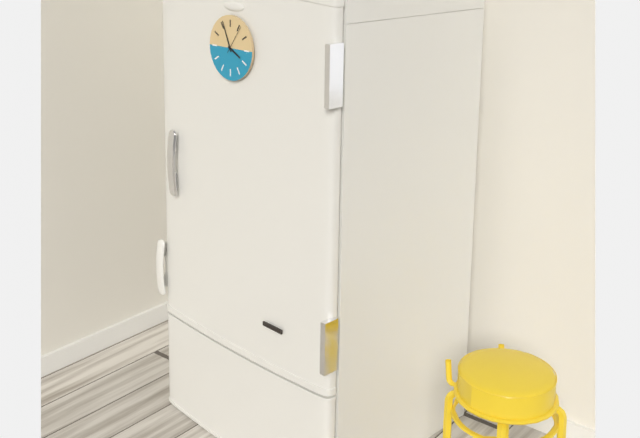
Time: {"hour": 3, "minute": 56}
